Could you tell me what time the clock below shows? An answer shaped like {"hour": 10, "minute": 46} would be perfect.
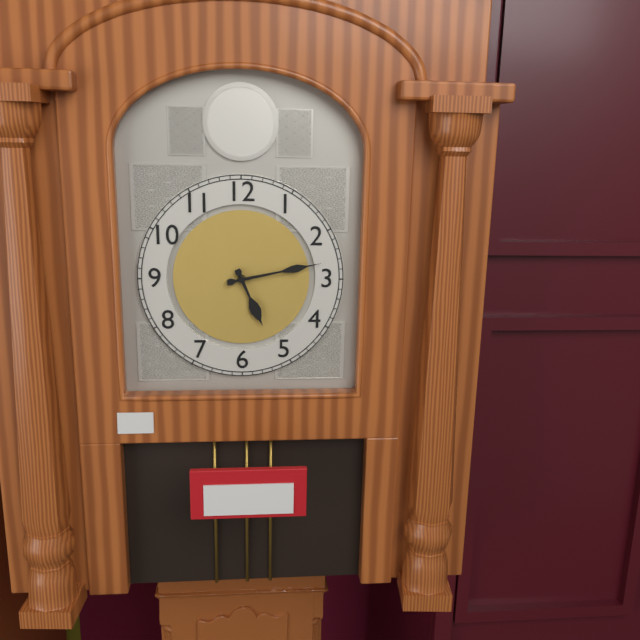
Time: {"hour": 5, "minute": 13}
